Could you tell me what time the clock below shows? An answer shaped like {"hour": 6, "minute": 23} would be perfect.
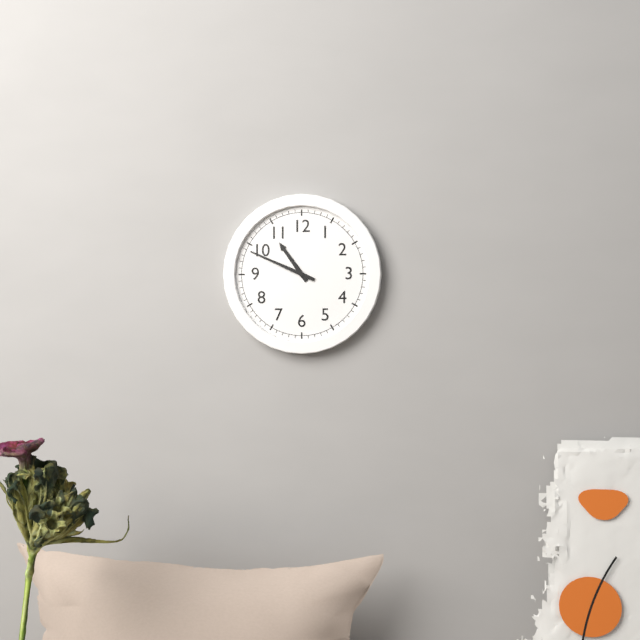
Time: {"hour": 10, "minute": 49}
